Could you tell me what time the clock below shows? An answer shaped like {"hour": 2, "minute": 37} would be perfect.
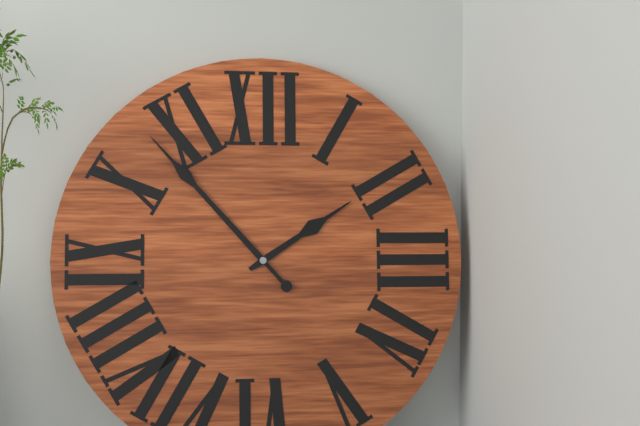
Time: {"hour": 1, "minute": 53}
